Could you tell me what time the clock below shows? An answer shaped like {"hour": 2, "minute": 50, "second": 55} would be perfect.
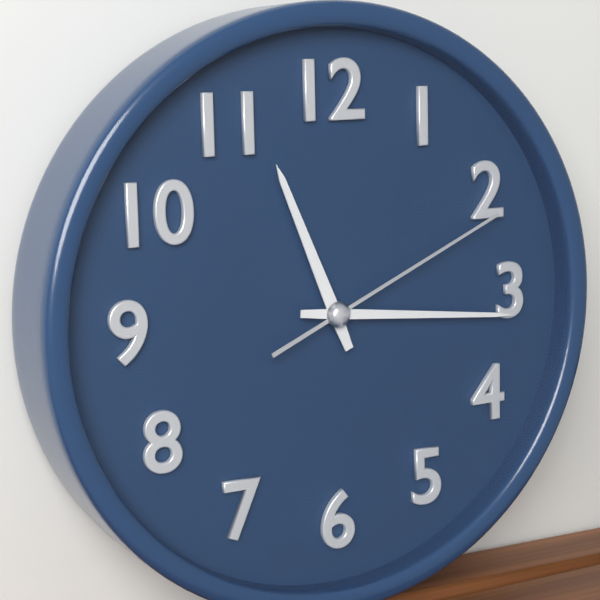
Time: {"hour": 11, "minute": 16, "second": 11}
